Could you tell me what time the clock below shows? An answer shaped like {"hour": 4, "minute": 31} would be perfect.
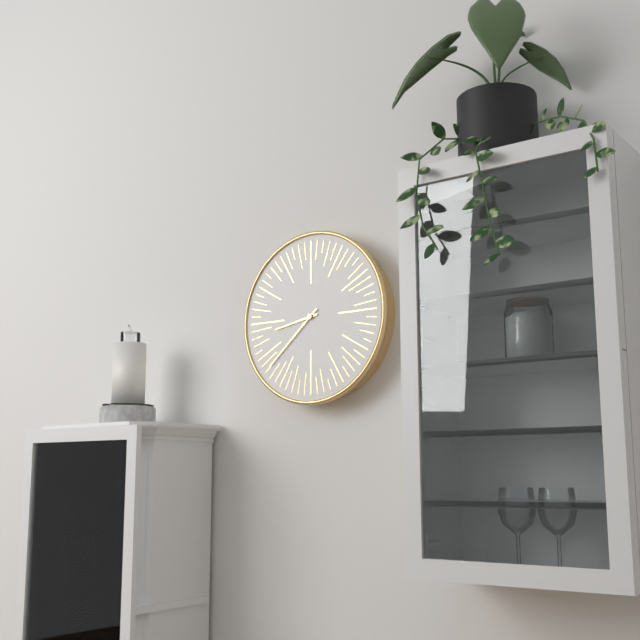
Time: {"hour": 8, "minute": 38}
